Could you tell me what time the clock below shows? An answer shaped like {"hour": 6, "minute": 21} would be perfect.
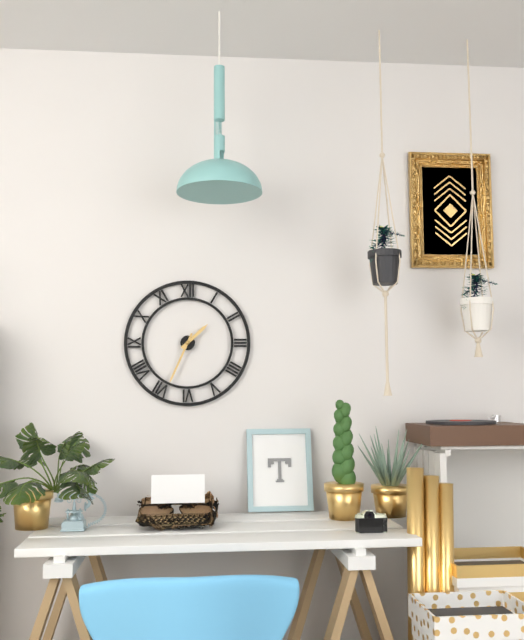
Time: {"hour": 1, "minute": 34}
